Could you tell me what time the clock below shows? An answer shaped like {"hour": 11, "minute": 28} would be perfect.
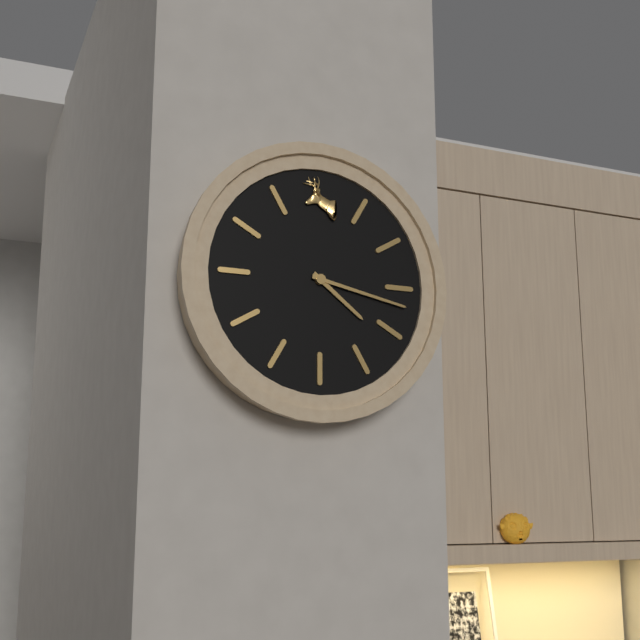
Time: {"hour": 4, "minute": 17}
